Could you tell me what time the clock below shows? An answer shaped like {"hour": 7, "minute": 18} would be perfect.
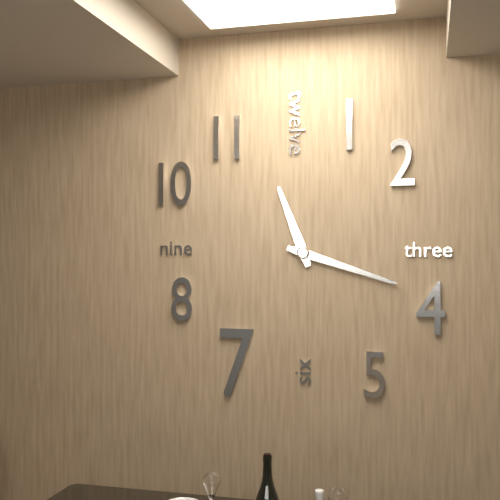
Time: {"hour": 11, "minute": 18}
